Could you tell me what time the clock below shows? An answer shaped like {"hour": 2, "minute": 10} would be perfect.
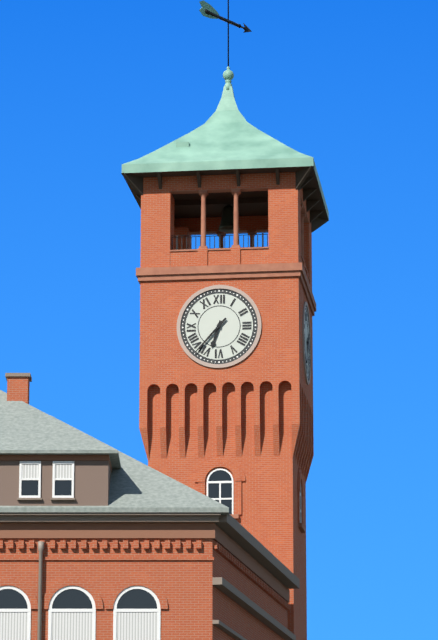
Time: {"hour": 6, "minute": 37}
